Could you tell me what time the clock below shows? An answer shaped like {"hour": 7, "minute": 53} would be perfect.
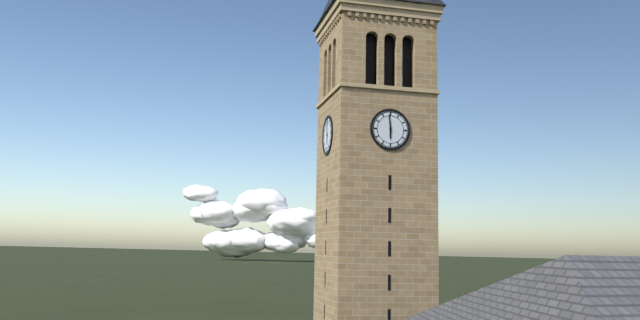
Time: {"hour": 5, "minute": 59}
